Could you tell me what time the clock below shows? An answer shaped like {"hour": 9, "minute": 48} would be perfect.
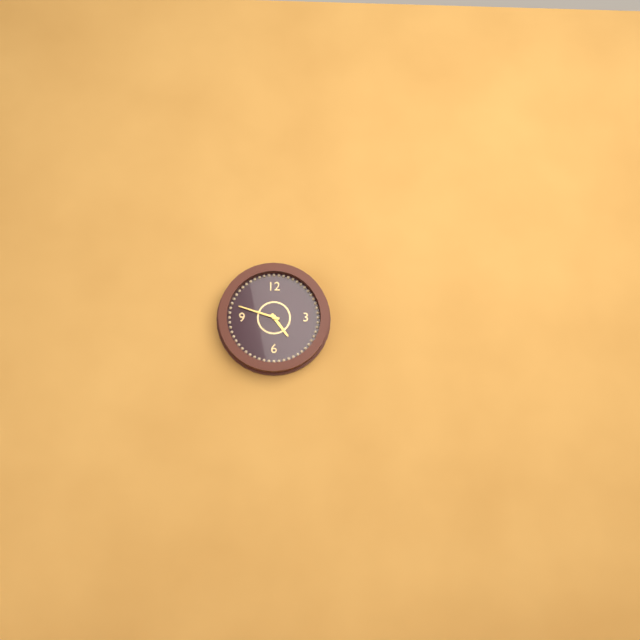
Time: {"hour": 4, "minute": 48}
